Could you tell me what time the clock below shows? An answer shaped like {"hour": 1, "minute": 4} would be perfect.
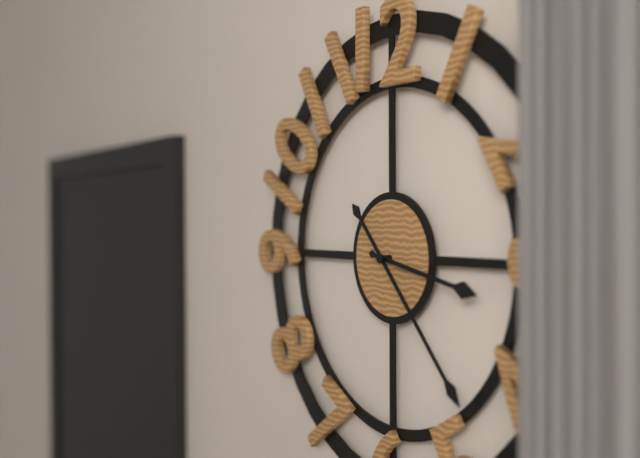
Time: {"hour": 3, "minute": 23}
